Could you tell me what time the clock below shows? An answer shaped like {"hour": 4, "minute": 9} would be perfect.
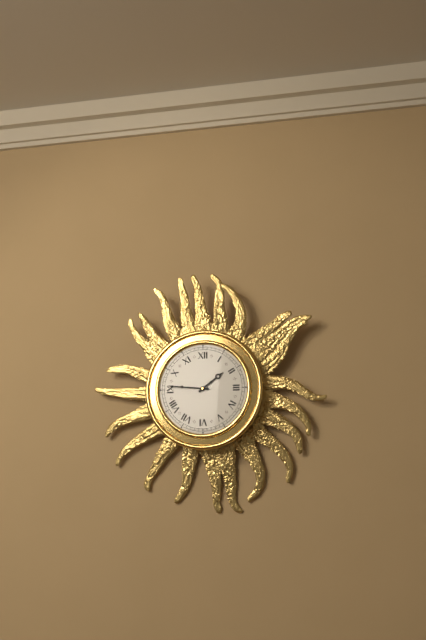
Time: {"hour": 1, "minute": 46}
